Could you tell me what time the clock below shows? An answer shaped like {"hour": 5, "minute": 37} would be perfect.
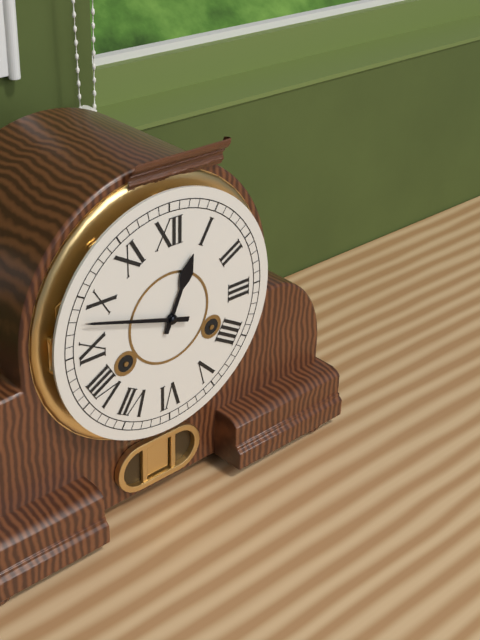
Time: {"hour": 12, "minute": 48}
